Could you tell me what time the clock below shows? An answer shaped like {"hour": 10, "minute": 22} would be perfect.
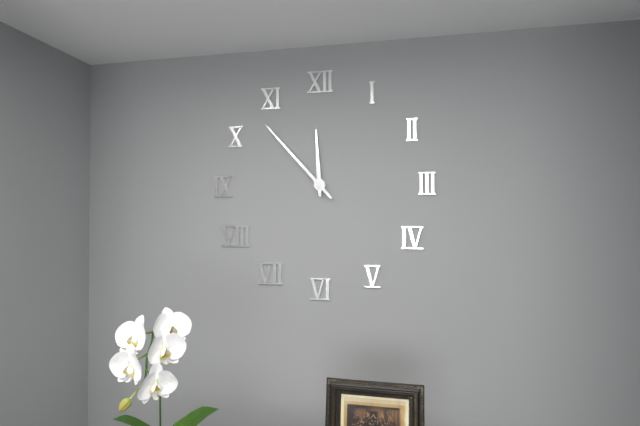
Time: {"hour": 11, "minute": 53}
